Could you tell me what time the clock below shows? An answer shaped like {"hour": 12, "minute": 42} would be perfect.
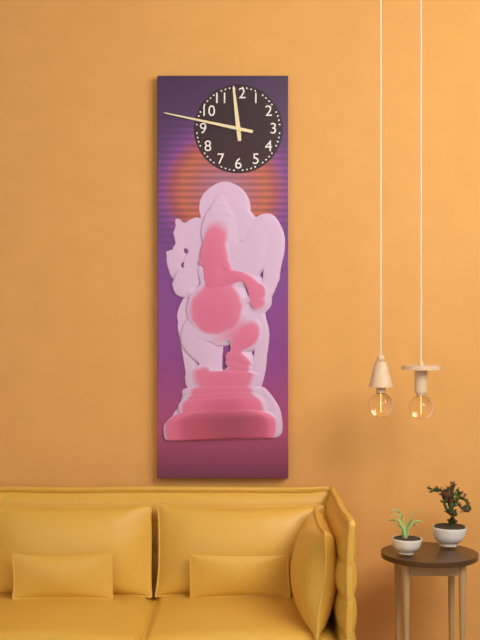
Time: {"hour": 11, "minute": 47}
